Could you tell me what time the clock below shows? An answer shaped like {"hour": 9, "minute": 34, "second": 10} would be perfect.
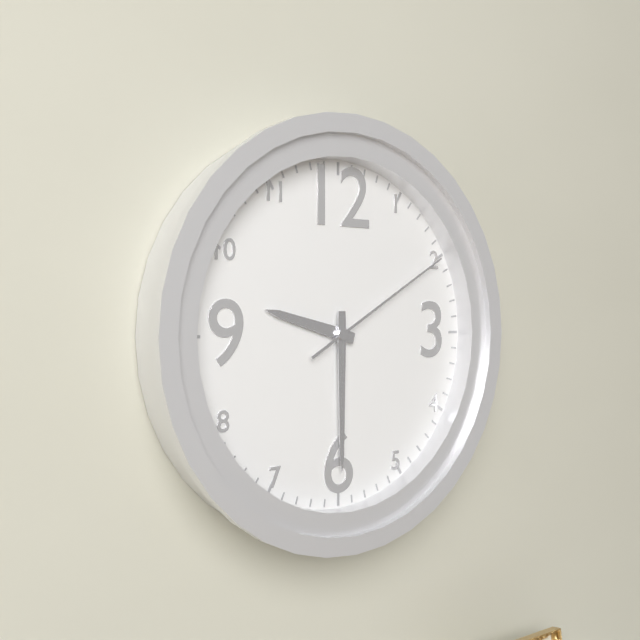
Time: {"hour": 9, "minute": 30, "second": 10}
